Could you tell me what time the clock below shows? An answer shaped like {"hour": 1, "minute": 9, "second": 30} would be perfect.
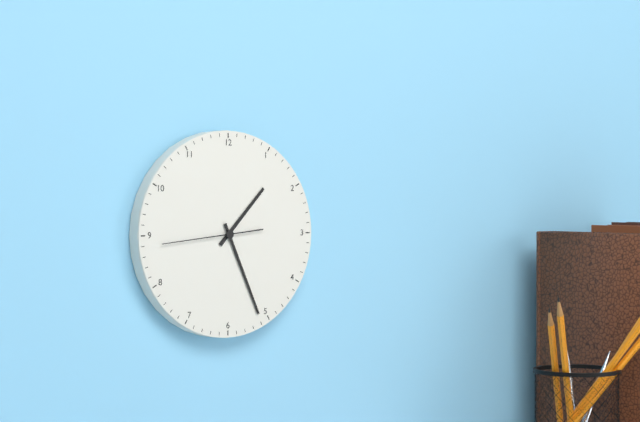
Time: {"hour": 1, "minute": 26, "second": 44}
